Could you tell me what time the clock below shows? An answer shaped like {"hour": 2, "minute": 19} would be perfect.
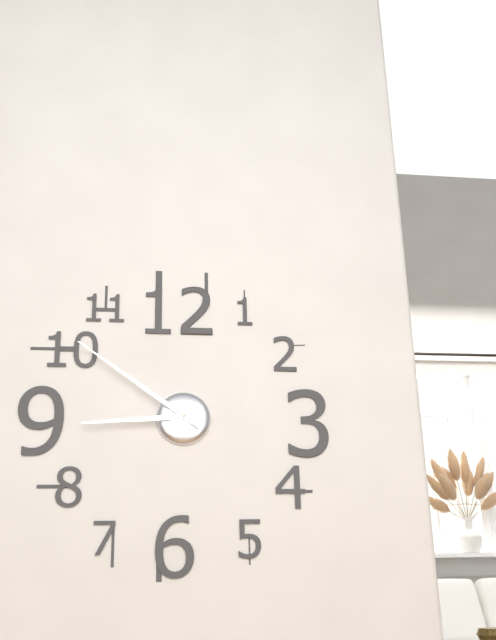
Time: {"hour": 8, "minute": 51}
